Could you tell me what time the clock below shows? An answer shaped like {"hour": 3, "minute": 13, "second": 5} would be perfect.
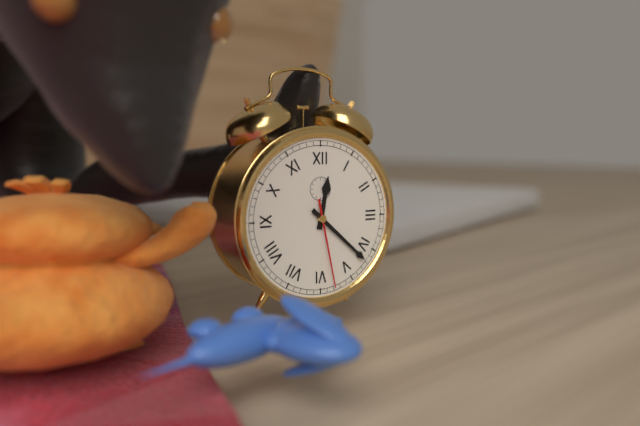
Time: {"hour": 12, "minute": 22, "second": 28}
